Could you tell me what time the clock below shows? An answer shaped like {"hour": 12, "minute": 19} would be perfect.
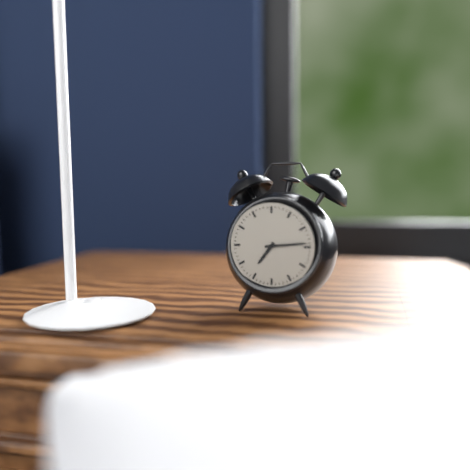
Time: {"hour": 7, "minute": 14}
